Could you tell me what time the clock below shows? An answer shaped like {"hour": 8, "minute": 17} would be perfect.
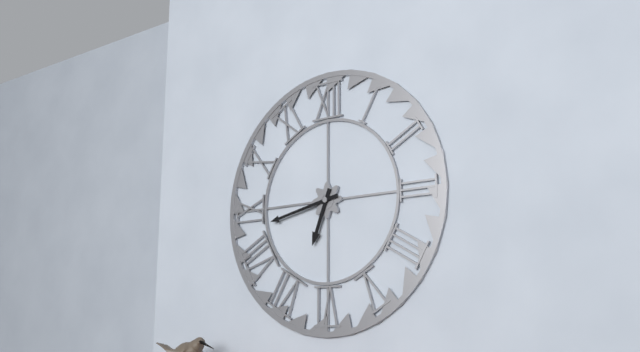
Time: {"hour": 6, "minute": 43}
